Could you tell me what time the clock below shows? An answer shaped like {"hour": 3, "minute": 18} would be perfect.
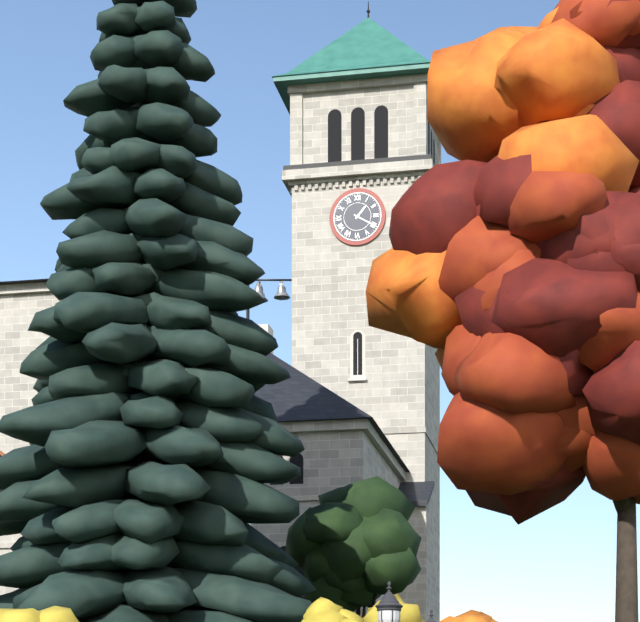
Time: {"hour": 1, "minute": 20}
